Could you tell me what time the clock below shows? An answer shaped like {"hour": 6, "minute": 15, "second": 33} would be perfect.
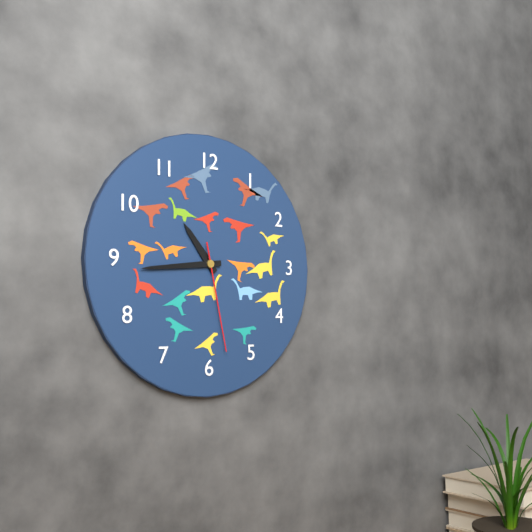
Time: {"hour": 10, "minute": 44, "second": 28}
